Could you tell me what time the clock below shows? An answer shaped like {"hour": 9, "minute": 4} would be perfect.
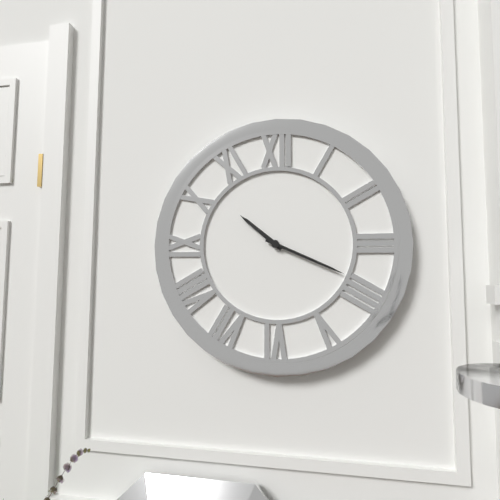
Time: {"hour": 10, "minute": 19}
